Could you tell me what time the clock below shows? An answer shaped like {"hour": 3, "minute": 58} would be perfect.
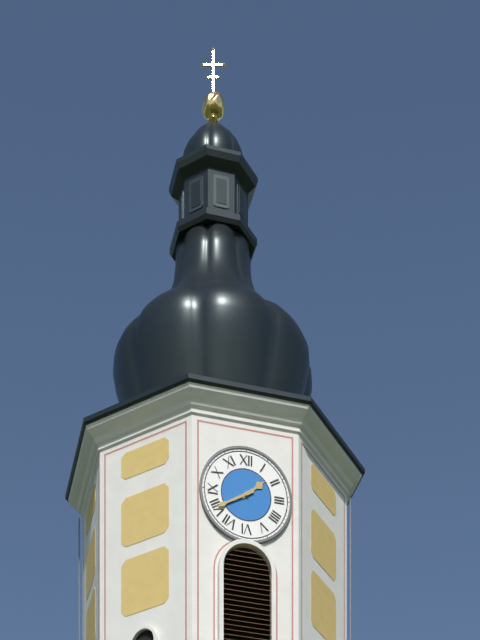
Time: {"hour": 1, "minute": 40}
